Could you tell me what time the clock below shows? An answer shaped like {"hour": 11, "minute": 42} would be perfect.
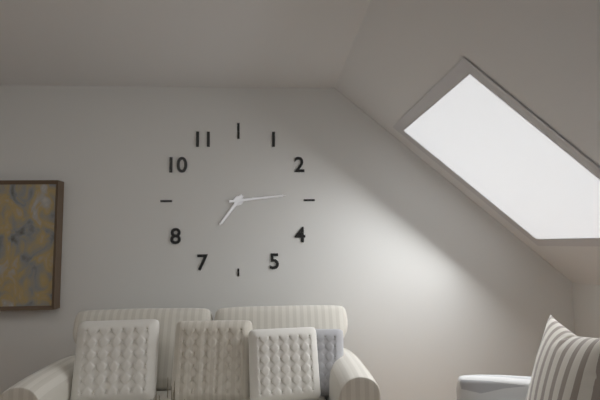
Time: {"hour": 7, "minute": 14}
